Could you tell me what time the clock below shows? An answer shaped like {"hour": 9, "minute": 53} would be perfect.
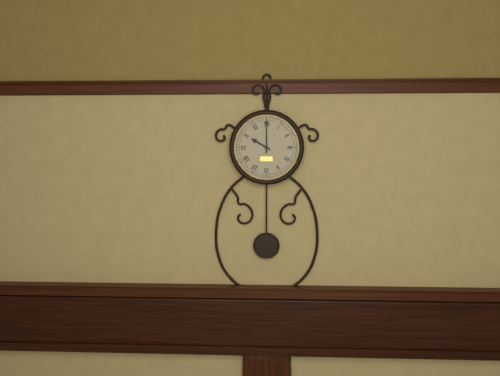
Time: {"hour": 10, "minute": 0}
